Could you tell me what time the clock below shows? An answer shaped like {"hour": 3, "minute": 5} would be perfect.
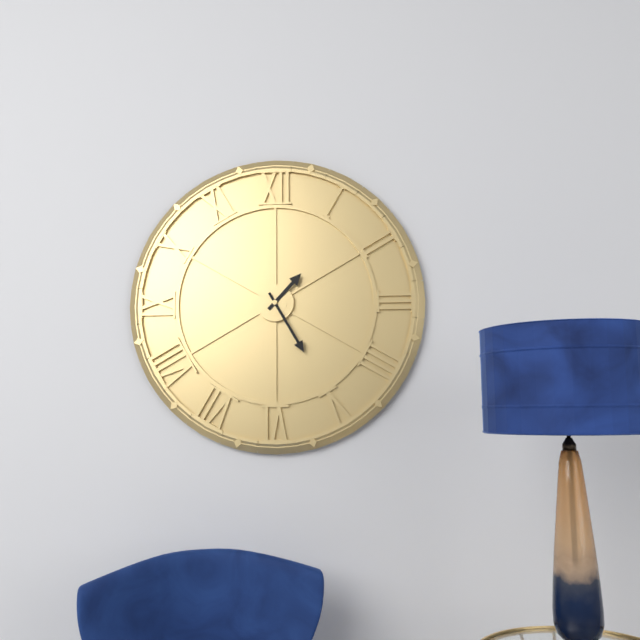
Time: {"hour": 1, "minute": 25}
